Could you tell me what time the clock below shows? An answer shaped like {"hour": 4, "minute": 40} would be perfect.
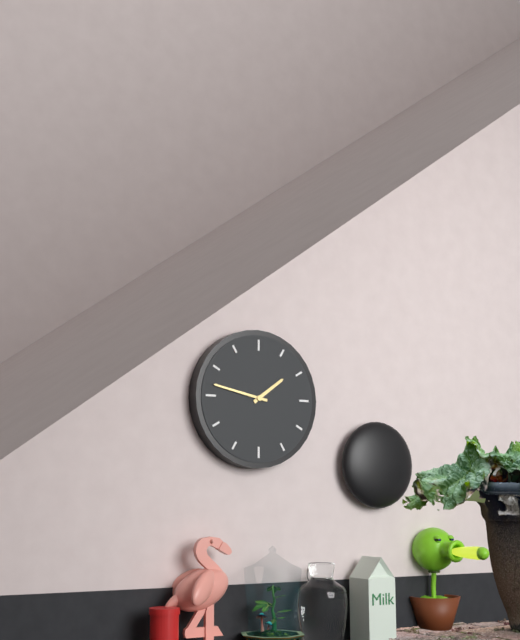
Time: {"hour": 1, "minute": 47}
